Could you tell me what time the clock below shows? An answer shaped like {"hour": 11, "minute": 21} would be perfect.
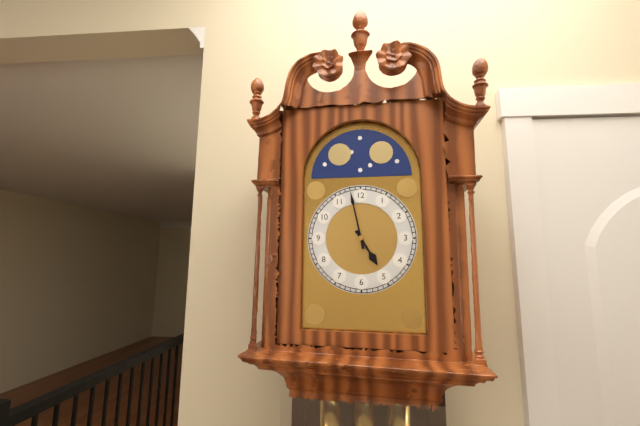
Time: {"hour": 4, "minute": 58}
